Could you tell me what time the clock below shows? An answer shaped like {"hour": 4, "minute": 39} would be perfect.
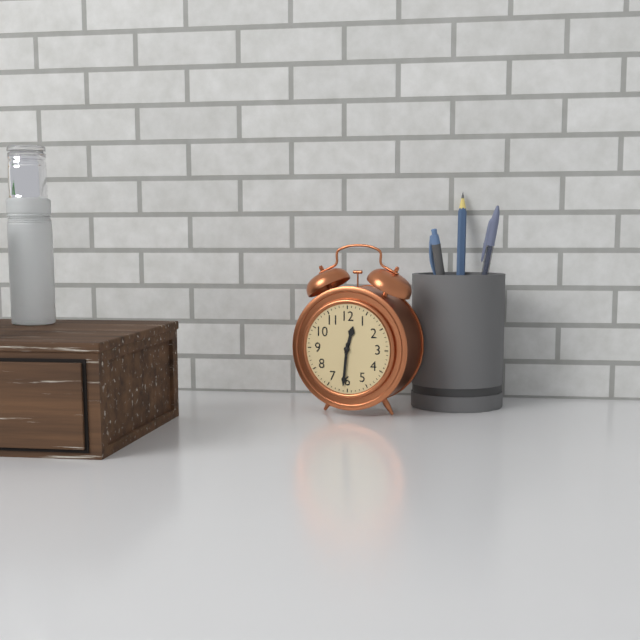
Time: {"hour": 12, "minute": 31}
